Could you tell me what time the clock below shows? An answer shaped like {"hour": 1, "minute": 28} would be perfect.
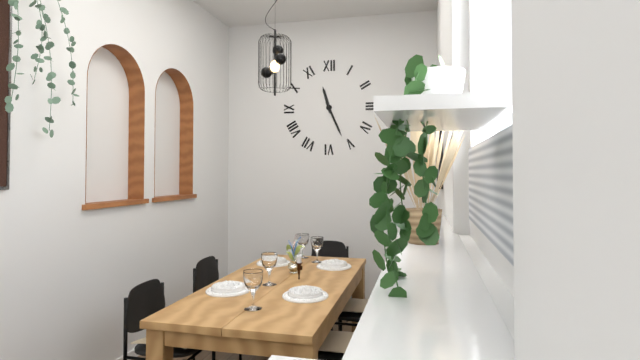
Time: {"hour": 11, "minute": 26}
